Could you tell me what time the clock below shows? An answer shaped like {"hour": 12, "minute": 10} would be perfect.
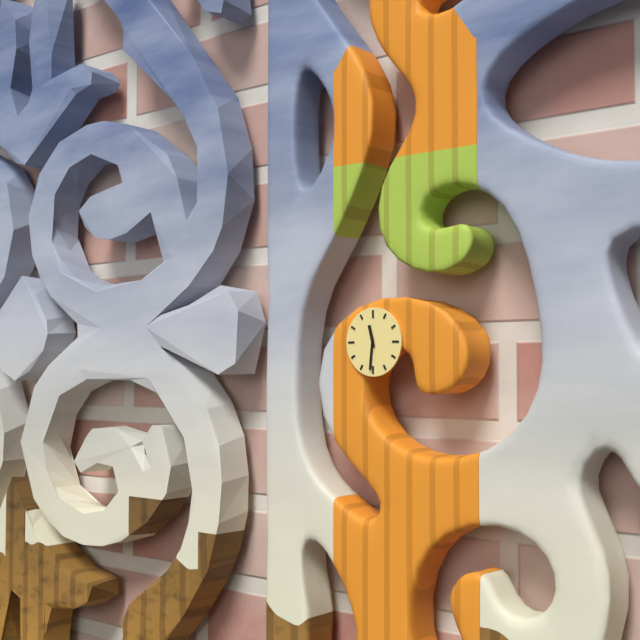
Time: {"hour": 11, "minute": 31}
